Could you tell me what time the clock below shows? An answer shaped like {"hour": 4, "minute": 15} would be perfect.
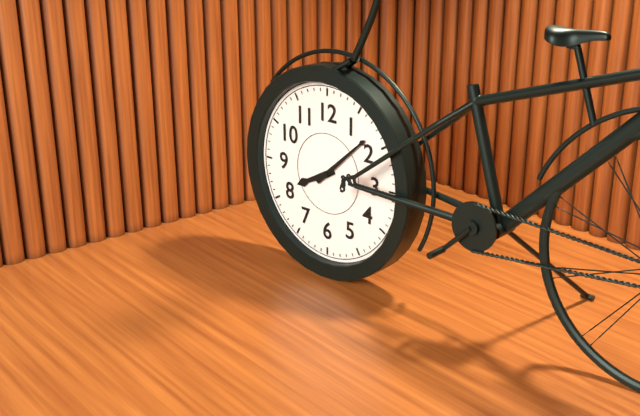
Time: {"hour": 8, "minute": 8}
